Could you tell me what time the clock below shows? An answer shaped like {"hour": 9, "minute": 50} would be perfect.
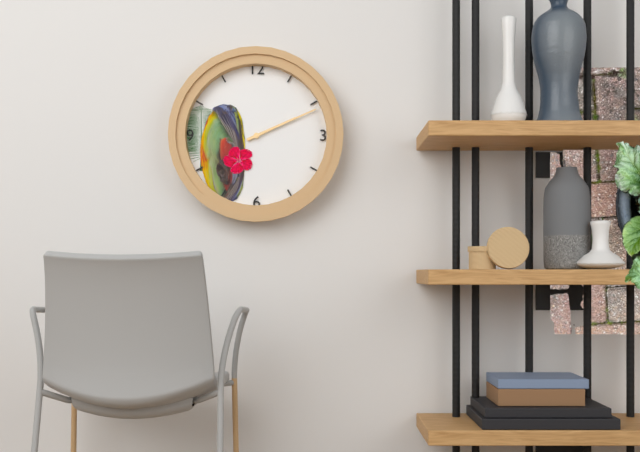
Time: {"hour": 2, "minute": 11}
